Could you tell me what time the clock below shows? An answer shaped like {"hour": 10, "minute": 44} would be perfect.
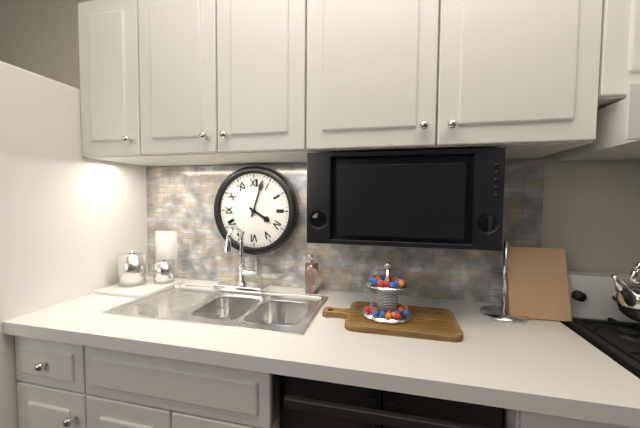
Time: {"hour": 4, "minute": 3}
